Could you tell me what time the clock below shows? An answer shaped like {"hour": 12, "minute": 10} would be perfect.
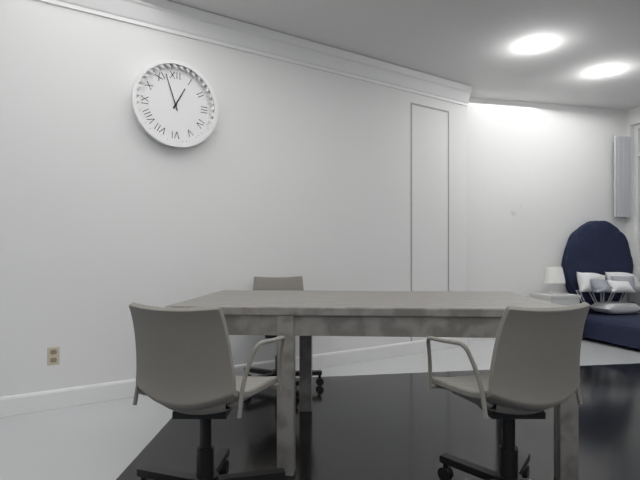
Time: {"hour": 12, "minute": 57}
